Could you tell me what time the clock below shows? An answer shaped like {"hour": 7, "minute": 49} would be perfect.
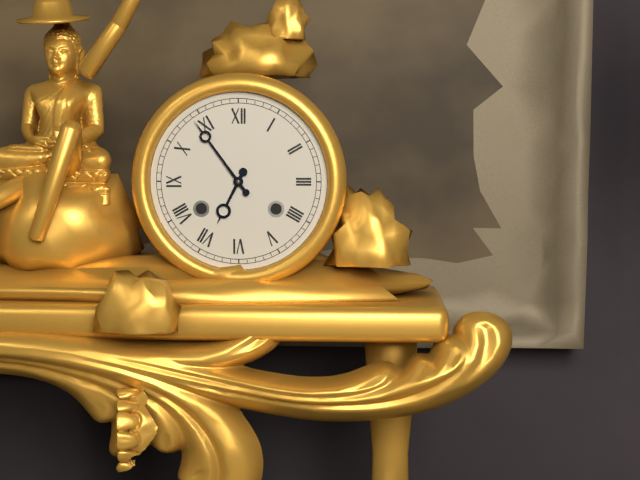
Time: {"hour": 6, "minute": 54}
